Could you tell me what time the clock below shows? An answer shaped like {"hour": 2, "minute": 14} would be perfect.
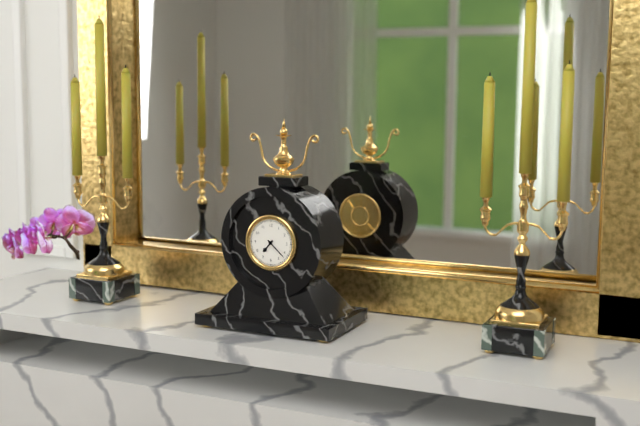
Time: {"hour": 7, "minute": 22}
